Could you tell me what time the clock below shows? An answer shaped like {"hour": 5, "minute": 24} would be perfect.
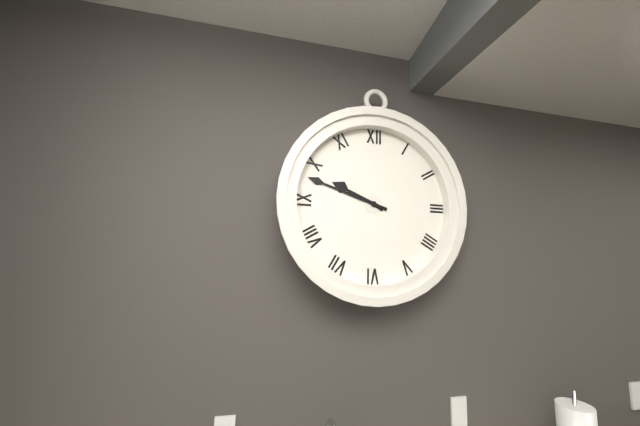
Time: {"hour": 9, "minute": 48}
